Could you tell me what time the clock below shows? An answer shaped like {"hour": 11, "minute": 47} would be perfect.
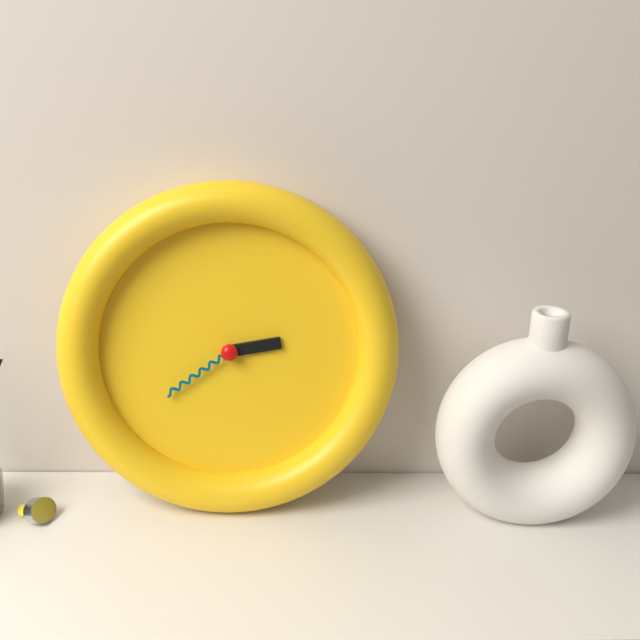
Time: {"hour": 2, "minute": 39}
